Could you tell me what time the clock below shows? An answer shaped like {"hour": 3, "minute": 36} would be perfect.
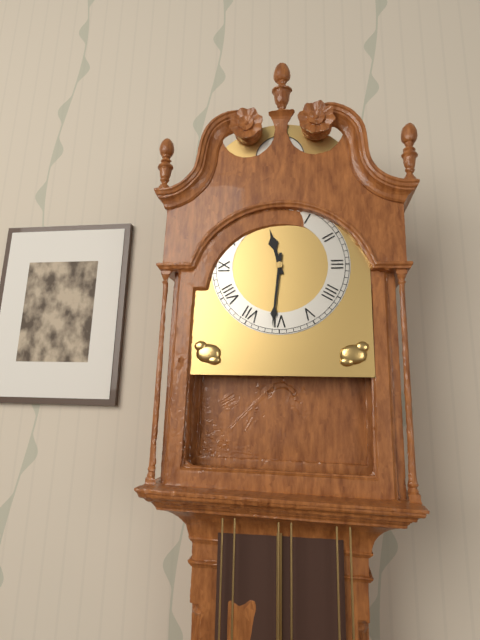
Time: {"hour": 11, "minute": 31}
